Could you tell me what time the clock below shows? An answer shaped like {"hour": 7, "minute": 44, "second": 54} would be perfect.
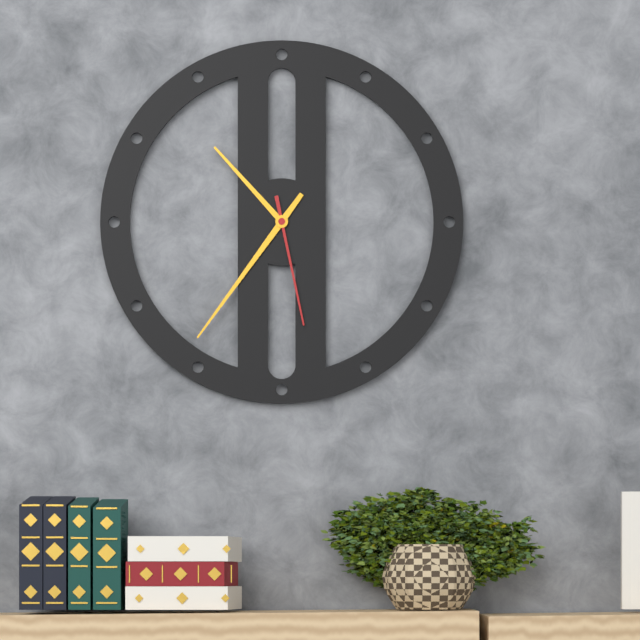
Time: {"hour": 10, "minute": 36, "second": 28}
